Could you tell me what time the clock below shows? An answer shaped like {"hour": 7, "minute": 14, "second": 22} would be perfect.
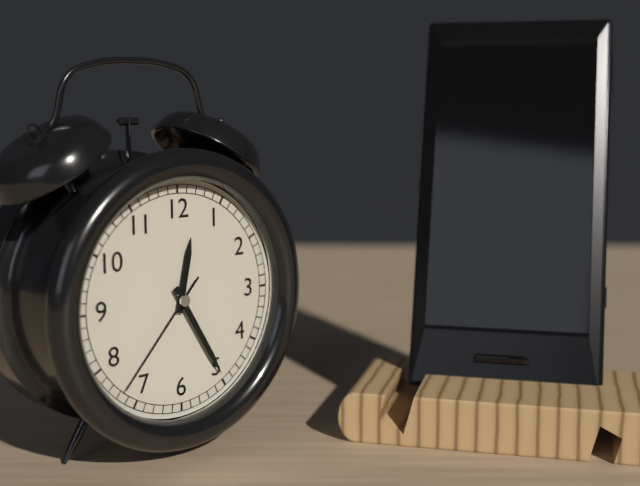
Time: {"hour": 12, "minute": 25, "second": 37}
